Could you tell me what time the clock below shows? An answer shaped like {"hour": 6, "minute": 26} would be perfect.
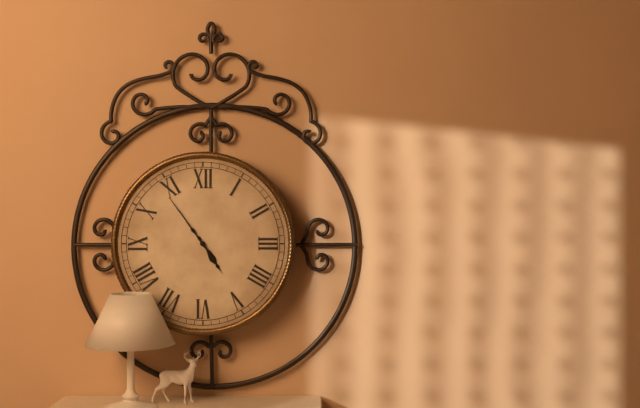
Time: {"hour": 4, "minute": 54}
